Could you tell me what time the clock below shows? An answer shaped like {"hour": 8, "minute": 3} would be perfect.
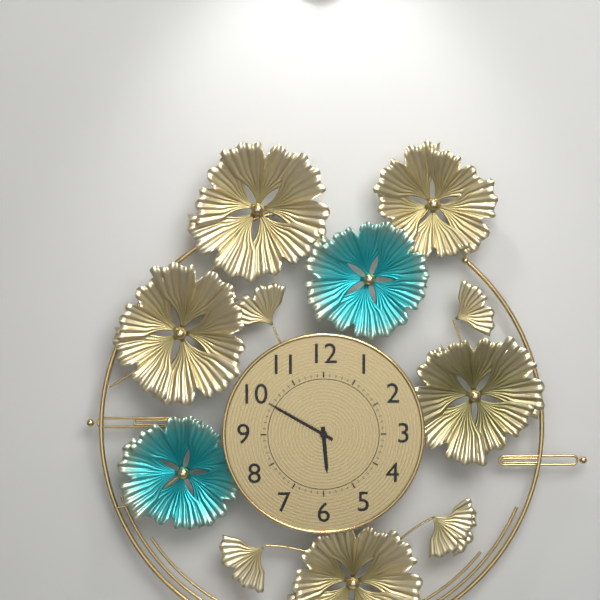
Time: {"hour": 5, "minute": 50}
